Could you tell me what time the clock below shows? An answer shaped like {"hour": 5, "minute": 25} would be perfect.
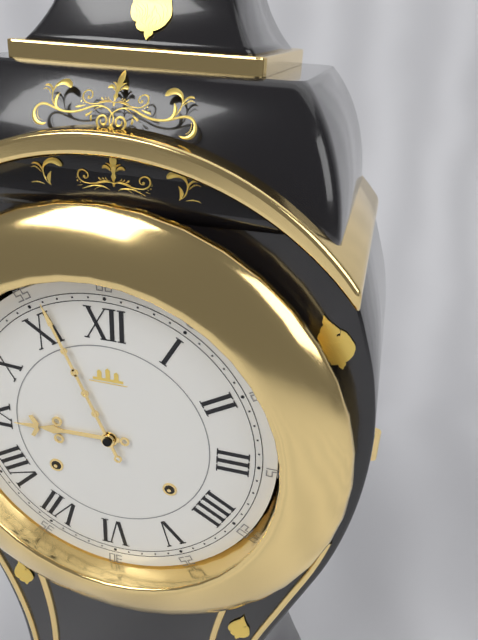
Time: {"hour": 8, "minute": 56}
